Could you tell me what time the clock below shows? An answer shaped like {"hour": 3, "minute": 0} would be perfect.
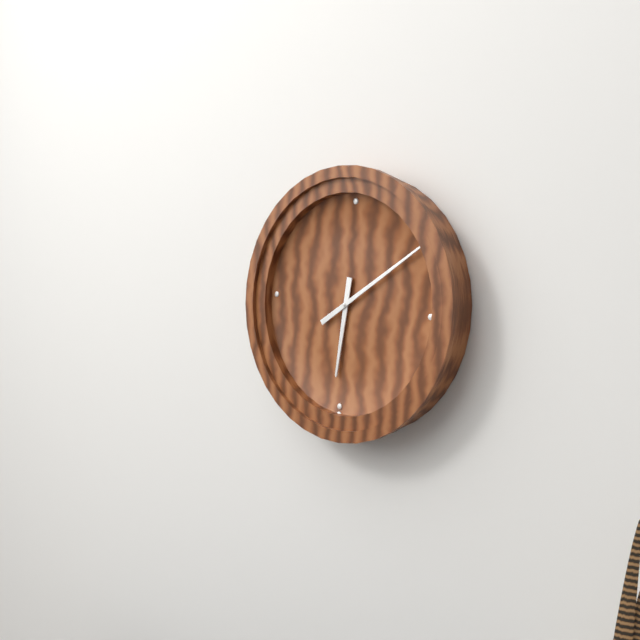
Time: {"hour": 6, "minute": 9}
